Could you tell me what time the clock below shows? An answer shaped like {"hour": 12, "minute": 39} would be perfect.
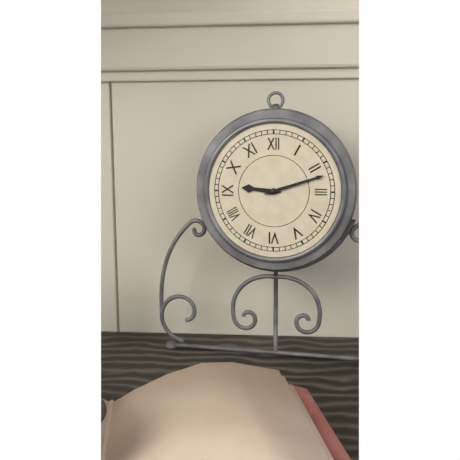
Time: {"hour": 9, "minute": 12}
